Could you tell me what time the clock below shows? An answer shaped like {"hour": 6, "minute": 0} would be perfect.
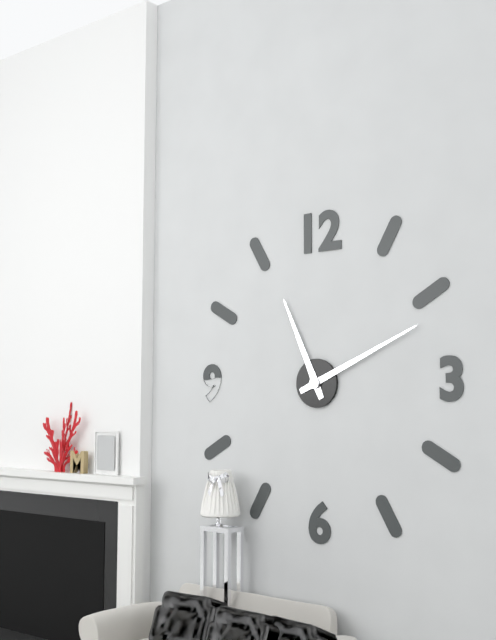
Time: {"hour": 11, "minute": 11}
